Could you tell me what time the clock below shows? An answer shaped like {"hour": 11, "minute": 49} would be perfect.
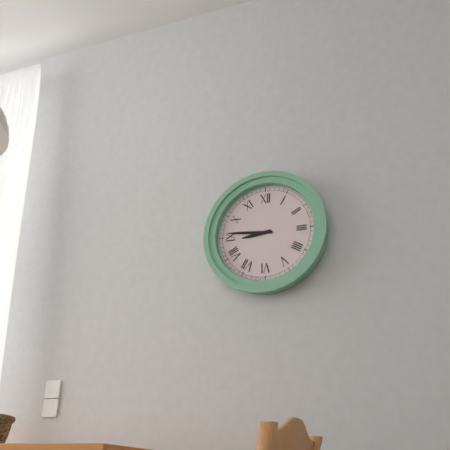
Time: {"hour": 8, "minute": 46}
